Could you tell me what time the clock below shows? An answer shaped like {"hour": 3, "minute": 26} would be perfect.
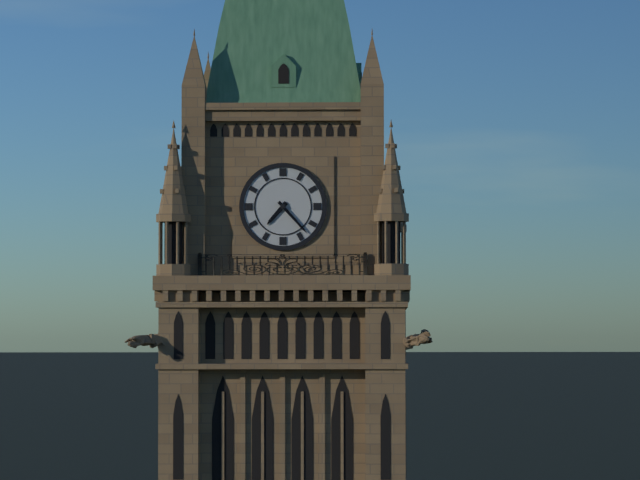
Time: {"hour": 7, "minute": 23}
